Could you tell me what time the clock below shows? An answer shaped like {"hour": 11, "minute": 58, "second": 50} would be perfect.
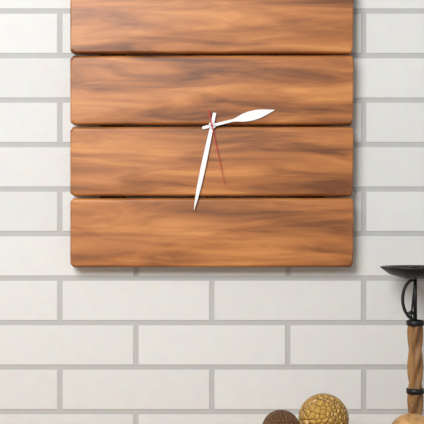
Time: {"hour": 2, "minute": 32, "second": 28}
